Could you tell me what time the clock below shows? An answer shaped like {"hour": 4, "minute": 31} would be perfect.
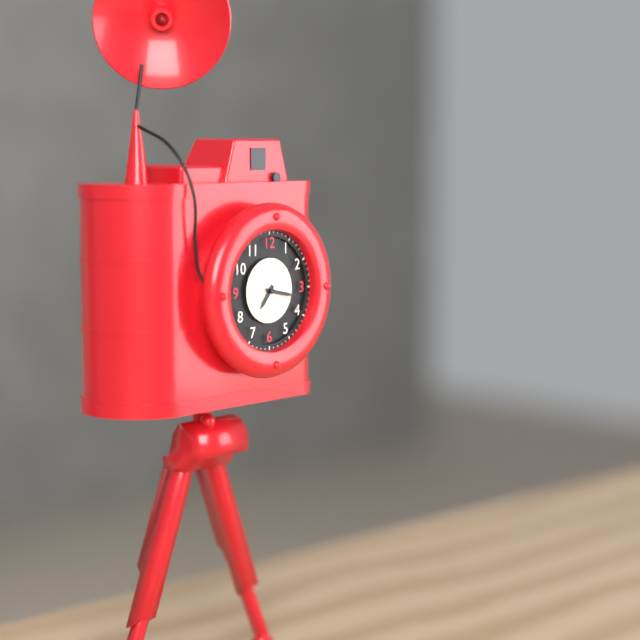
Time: {"hour": 7, "minute": 17}
